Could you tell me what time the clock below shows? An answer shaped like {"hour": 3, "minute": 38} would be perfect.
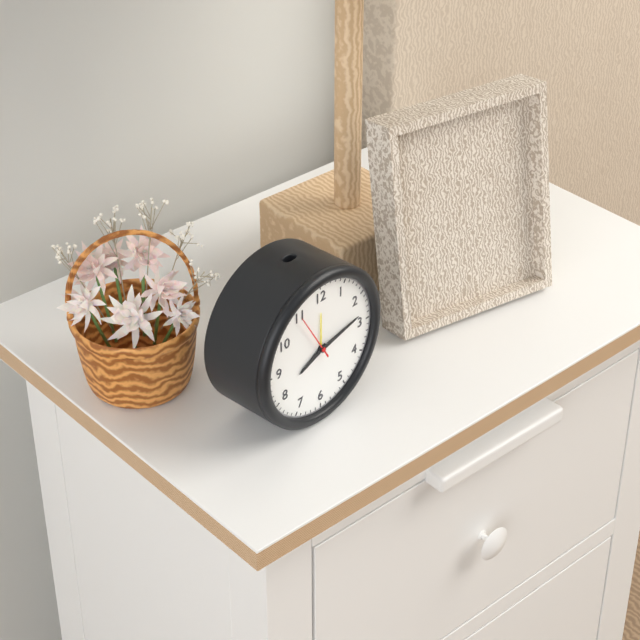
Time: {"hour": 8, "minute": 13}
